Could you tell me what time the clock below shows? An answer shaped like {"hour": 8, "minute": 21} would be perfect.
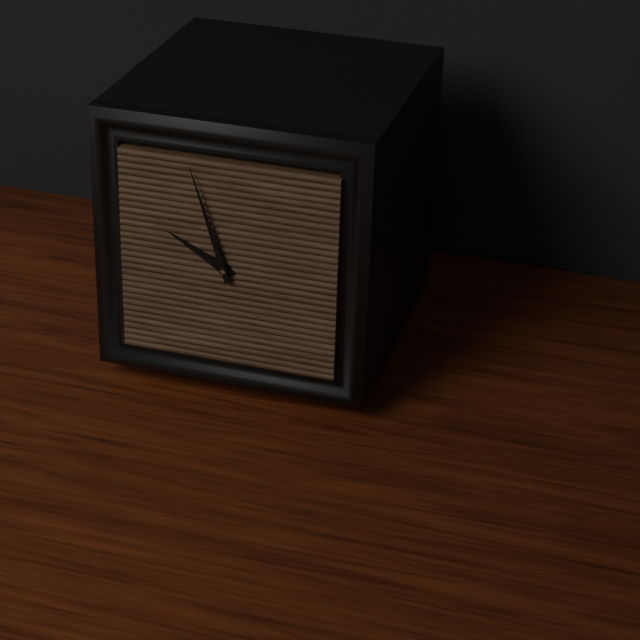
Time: {"hour": 9, "minute": 57}
